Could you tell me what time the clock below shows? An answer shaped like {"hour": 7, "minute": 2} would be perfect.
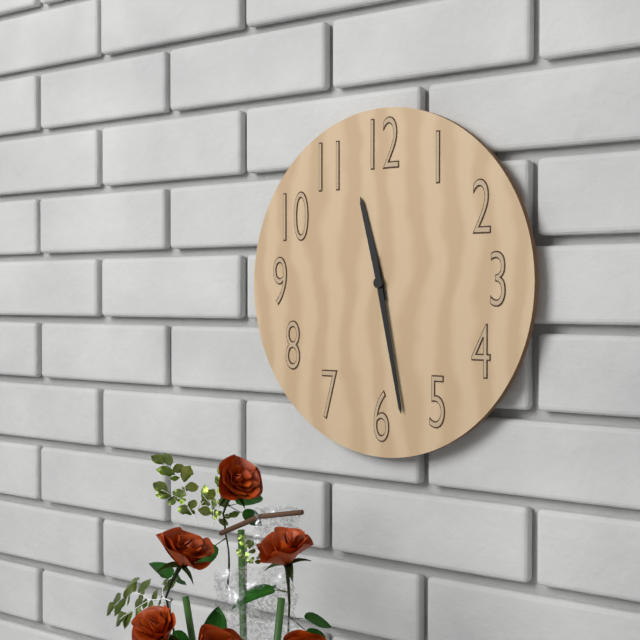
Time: {"hour": 11, "minute": 28}
